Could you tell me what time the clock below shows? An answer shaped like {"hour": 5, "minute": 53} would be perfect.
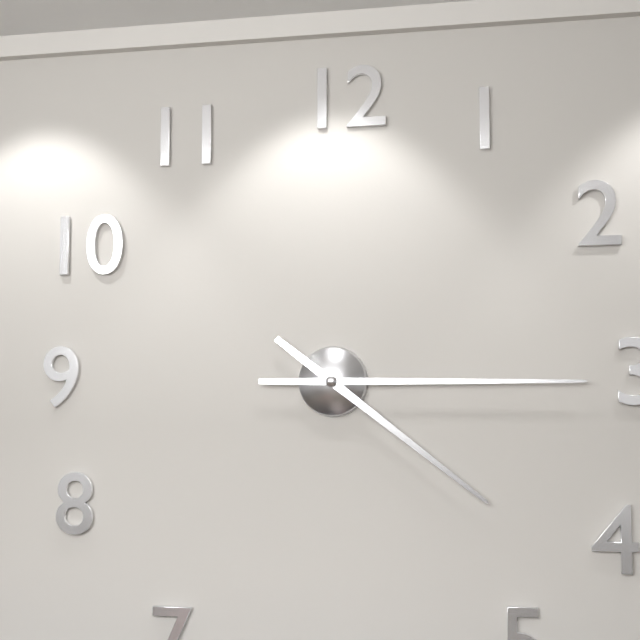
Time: {"hour": 4, "minute": 15}
